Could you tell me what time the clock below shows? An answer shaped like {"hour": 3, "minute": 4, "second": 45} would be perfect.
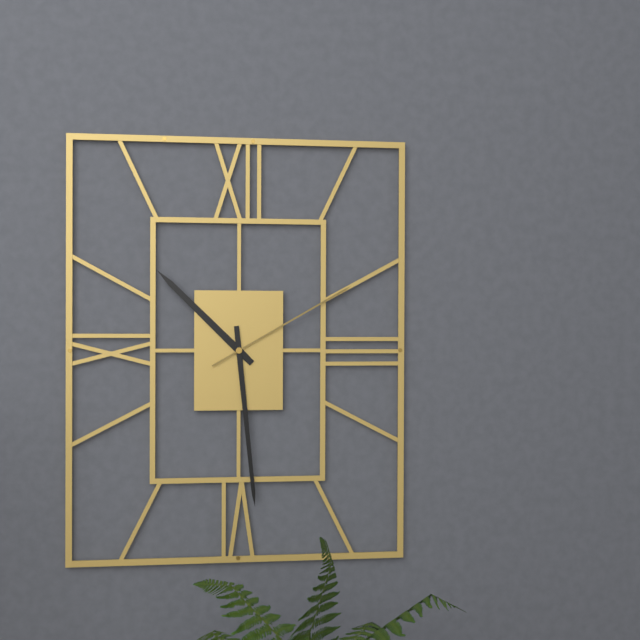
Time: {"hour": 10, "minute": 29, "second": 10}
